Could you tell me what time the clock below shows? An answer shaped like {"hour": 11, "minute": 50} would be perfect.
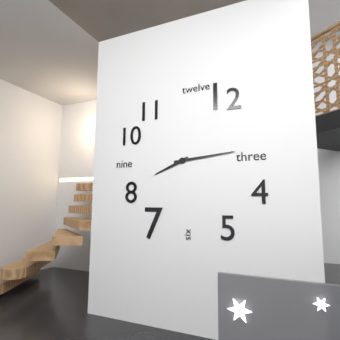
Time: {"hour": 8, "minute": 14}
